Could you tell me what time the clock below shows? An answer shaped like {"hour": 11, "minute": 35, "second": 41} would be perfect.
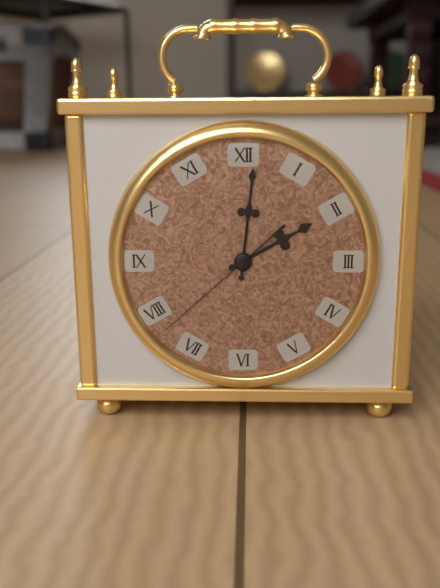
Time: {"hour": 2, "minute": 1, "second": 38}
